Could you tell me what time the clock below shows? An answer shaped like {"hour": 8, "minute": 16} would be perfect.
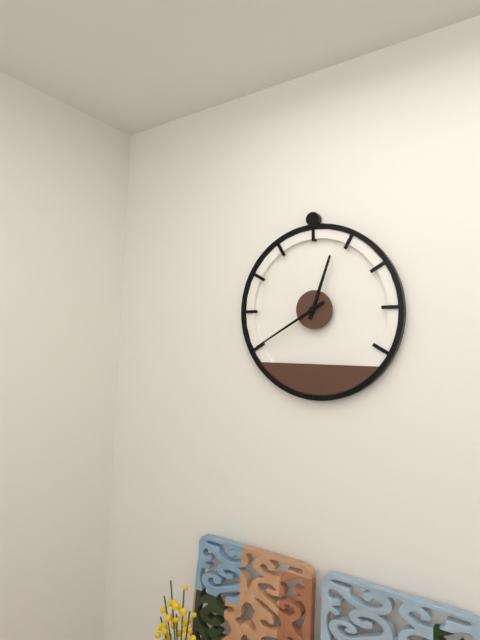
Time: {"hour": 12, "minute": 40}
